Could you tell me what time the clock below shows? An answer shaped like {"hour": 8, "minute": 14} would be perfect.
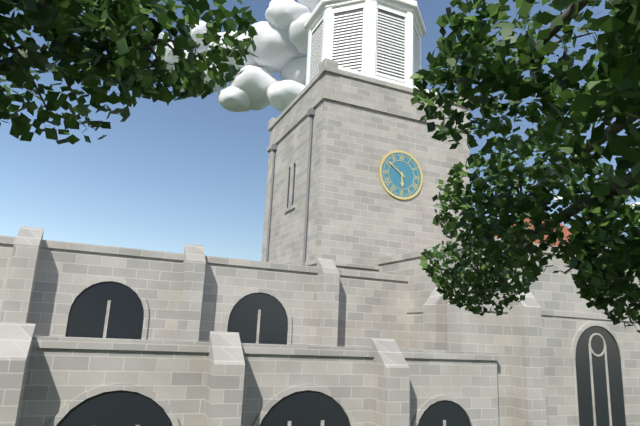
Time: {"hour": 5, "minute": 51}
